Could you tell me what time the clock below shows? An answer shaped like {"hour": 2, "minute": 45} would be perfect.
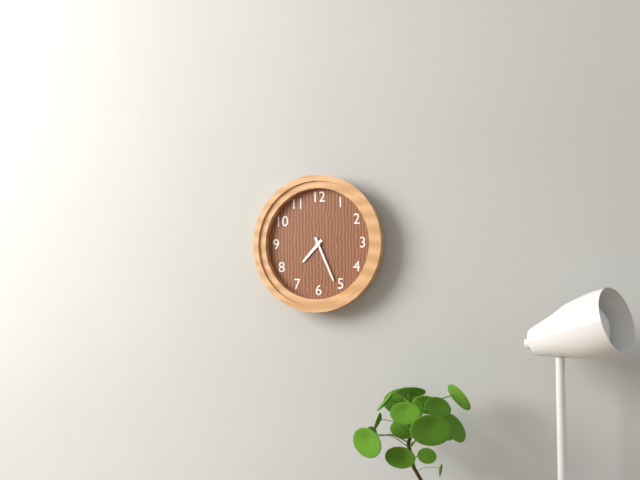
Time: {"hour": 7, "minute": 26}
